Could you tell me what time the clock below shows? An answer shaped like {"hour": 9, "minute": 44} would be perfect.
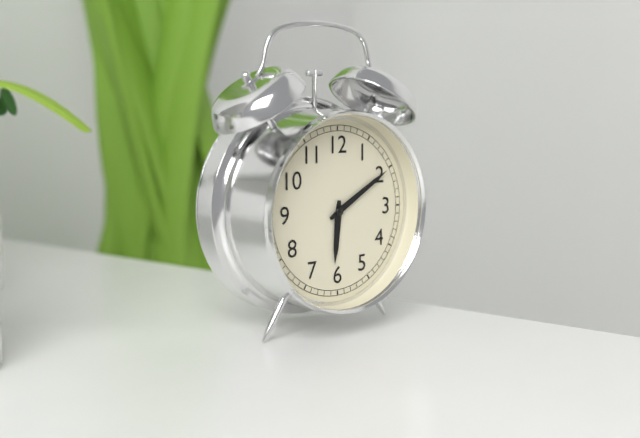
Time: {"hour": 6, "minute": 10}
